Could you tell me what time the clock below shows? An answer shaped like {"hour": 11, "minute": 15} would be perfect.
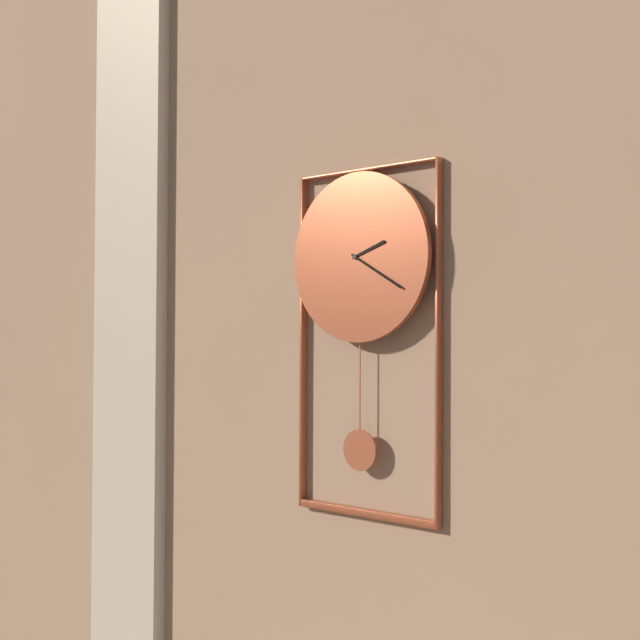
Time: {"hour": 2, "minute": 20}
